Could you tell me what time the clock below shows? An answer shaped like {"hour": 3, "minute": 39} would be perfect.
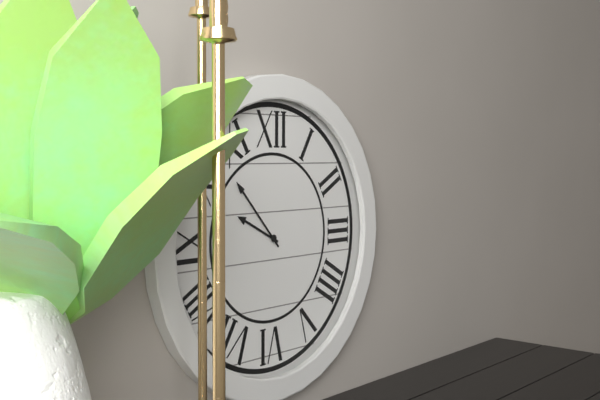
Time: {"hour": 9, "minute": 53}
